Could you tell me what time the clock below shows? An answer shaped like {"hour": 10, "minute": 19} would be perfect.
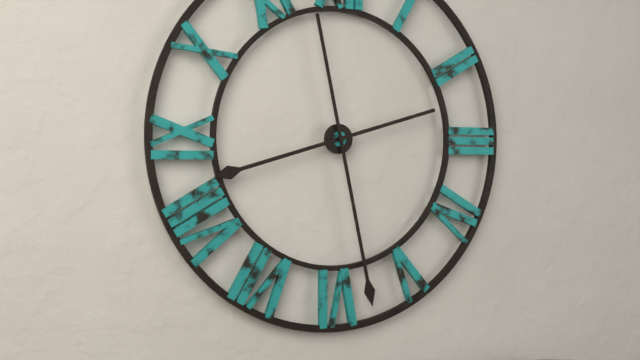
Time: {"hour": 8, "minute": 28}
